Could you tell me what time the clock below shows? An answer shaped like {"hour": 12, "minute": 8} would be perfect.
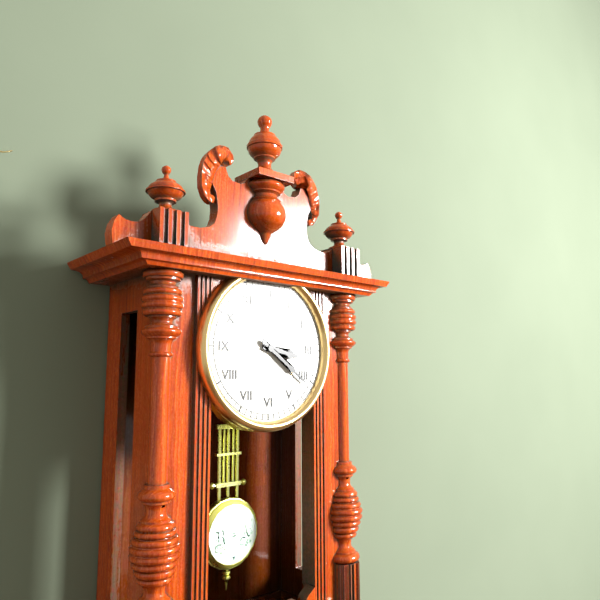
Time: {"hour": 3, "minute": 21}
